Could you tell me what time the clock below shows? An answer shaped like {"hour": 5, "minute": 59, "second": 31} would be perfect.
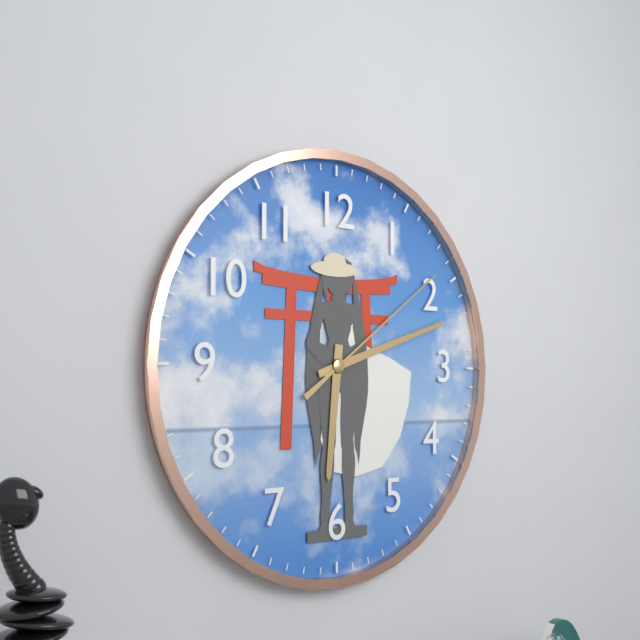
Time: {"hour": 6, "minute": 12, "second": 9}
